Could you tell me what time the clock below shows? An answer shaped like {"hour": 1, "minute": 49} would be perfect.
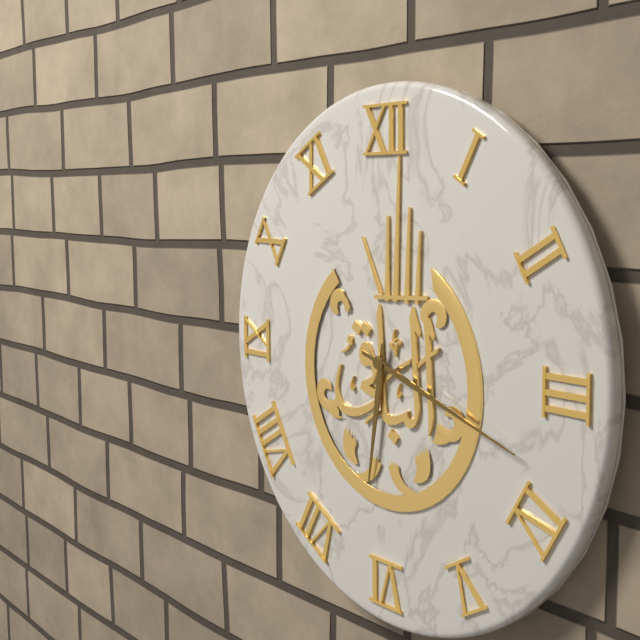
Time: {"hour": 6, "minute": 18}
